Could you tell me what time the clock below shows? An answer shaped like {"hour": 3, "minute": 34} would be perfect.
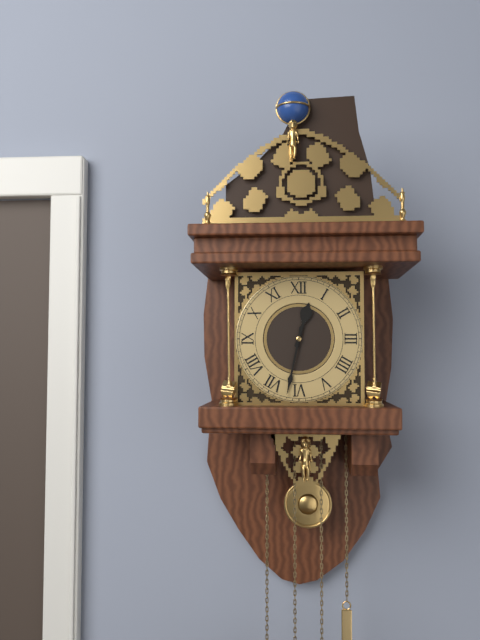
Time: {"hour": 12, "minute": 32}
